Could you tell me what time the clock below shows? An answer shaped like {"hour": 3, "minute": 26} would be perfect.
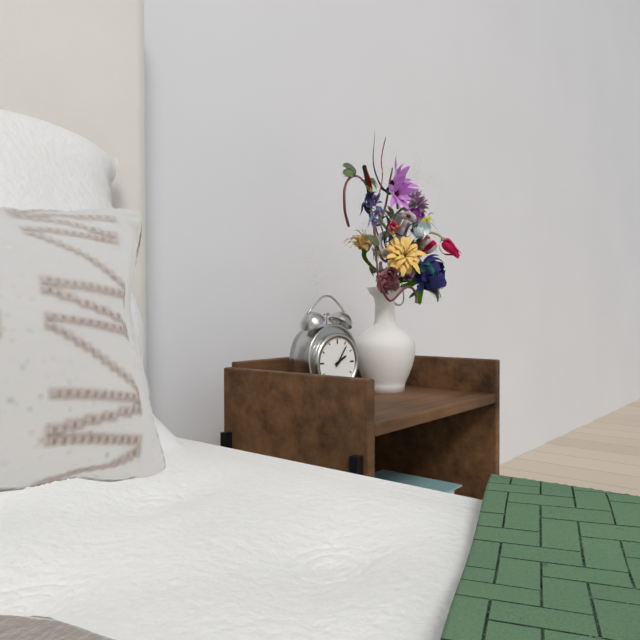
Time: {"hour": 2, "minute": 6}
